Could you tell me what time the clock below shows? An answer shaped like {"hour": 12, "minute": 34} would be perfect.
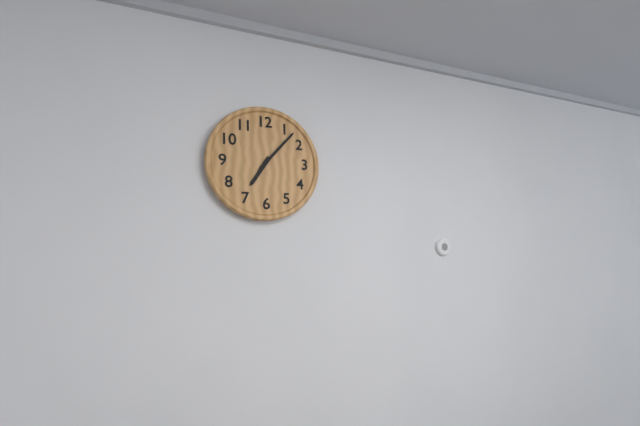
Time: {"hour": 7, "minute": 7}
